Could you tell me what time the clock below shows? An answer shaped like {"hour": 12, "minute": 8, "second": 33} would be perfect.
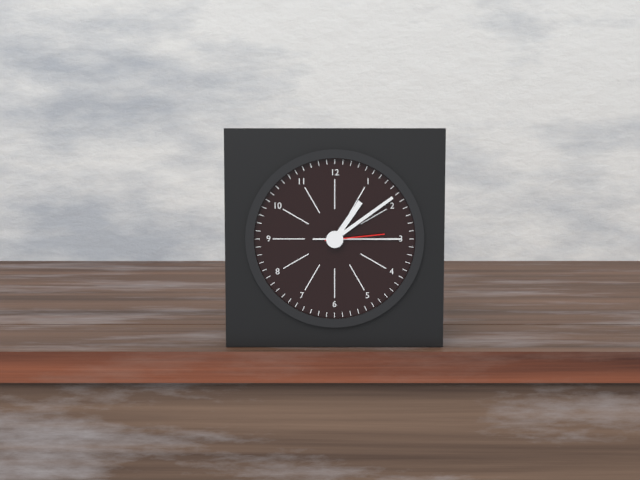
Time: {"hour": 1, "minute": 9, "second": 14}
